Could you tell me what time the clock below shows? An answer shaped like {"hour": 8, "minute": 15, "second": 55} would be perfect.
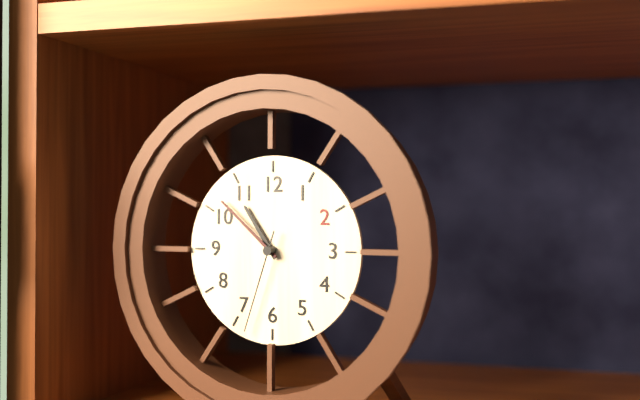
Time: {"hour": 10, "minute": 52, "second": 33}
